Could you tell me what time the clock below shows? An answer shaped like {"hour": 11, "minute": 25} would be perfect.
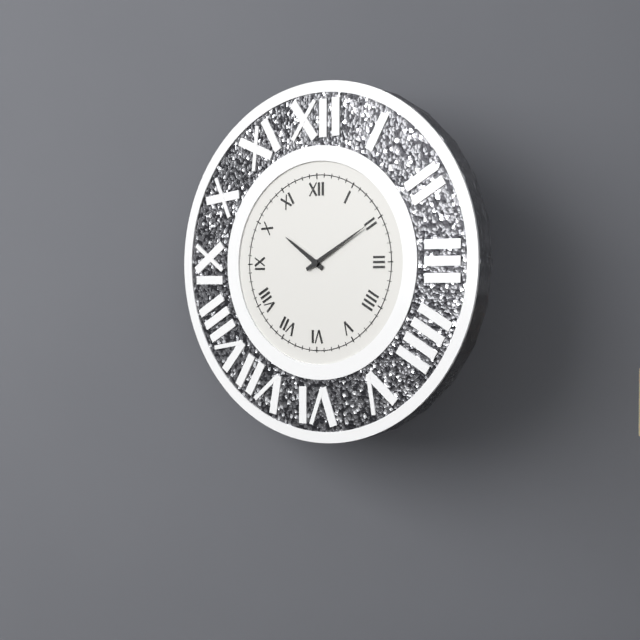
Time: {"hour": 10, "minute": 10}
